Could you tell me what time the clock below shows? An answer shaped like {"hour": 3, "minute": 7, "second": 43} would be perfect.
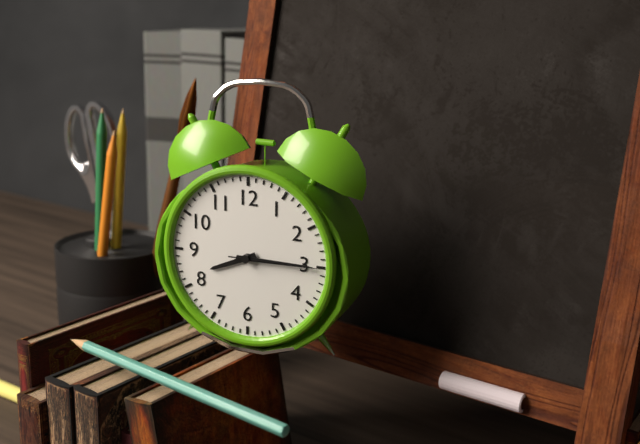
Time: {"hour": 8, "minute": 15, "second": 15}
